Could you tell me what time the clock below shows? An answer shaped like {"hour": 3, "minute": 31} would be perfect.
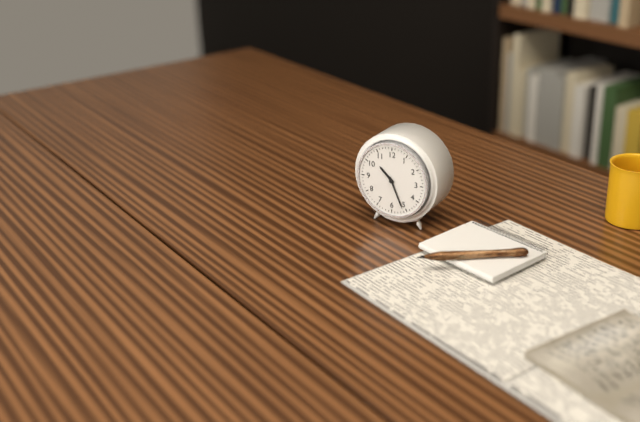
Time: {"hour": 10, "minute": 26}
